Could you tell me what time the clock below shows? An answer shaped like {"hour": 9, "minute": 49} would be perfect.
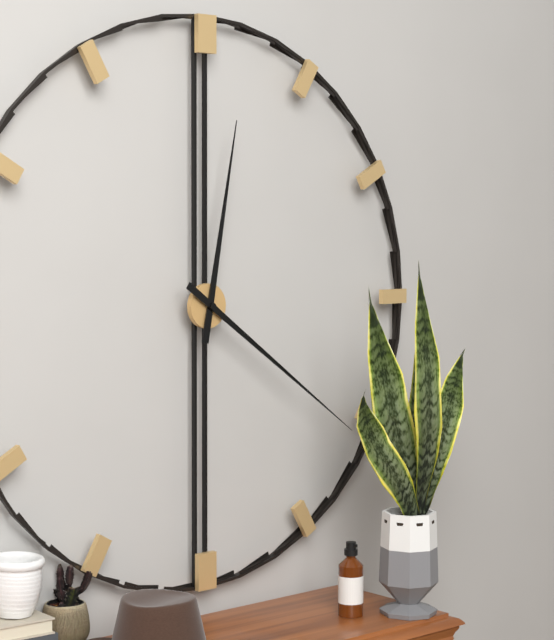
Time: {"hour": 12, "minute": 21}
